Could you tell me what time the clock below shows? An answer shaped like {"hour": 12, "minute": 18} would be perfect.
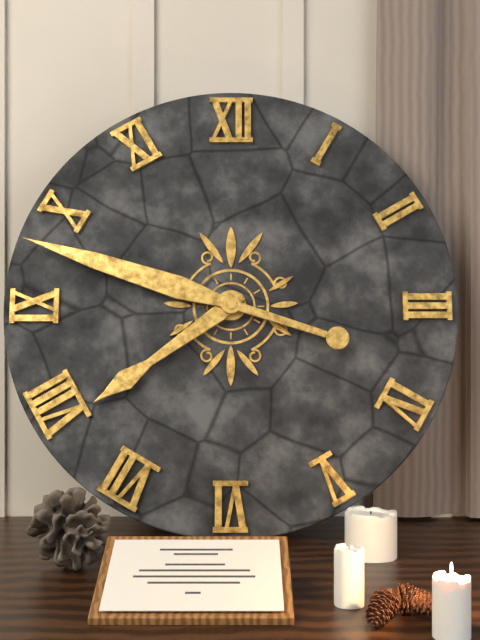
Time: {"hour": 7, "minute": 48}
